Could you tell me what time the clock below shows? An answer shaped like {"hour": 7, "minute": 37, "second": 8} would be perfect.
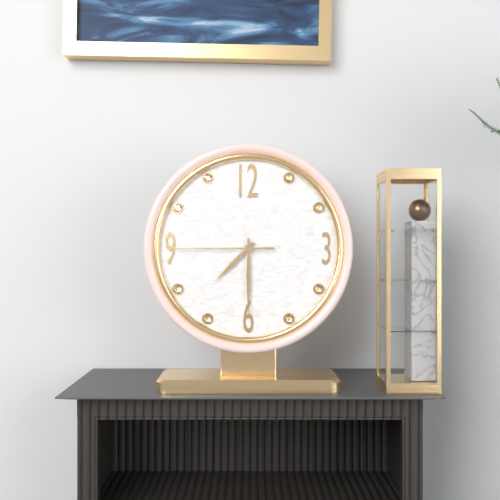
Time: {"hour": 7, "minute": 30, "second": 45}
